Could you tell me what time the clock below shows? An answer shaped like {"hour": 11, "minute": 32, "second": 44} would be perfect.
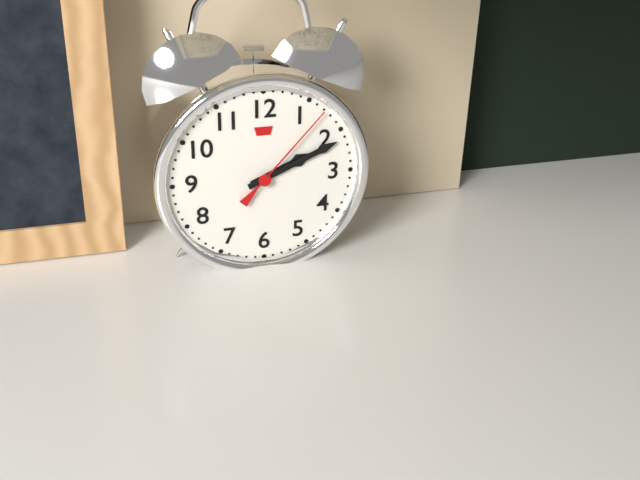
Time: {"hour": 2, "minute": 11, "second": 7}
